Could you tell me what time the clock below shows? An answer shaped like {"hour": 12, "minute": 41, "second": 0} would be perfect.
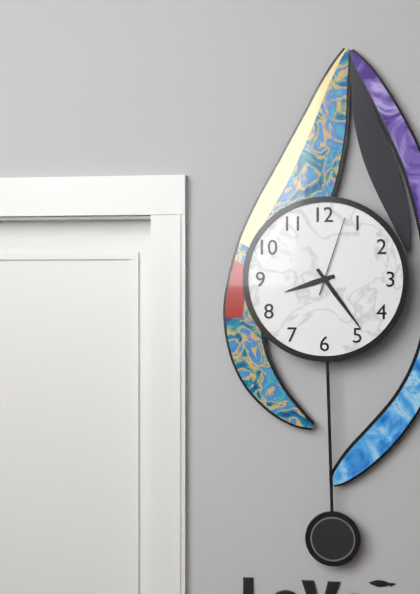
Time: {"hour": 8, "minute": 24, "second": 3}
